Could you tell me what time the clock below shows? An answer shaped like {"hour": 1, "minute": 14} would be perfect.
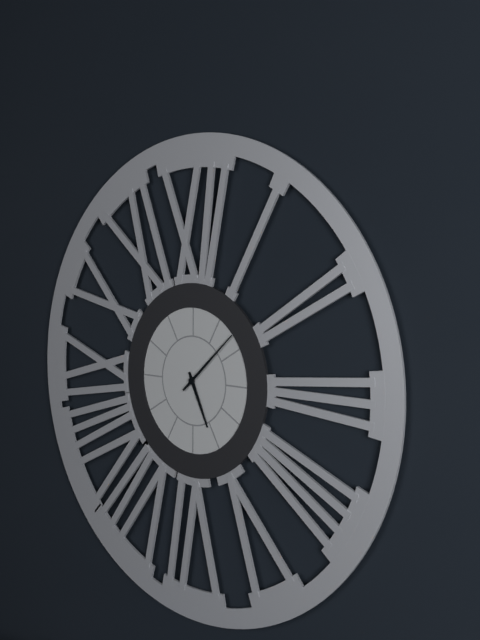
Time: {"hour": 5, "minute": 8}
